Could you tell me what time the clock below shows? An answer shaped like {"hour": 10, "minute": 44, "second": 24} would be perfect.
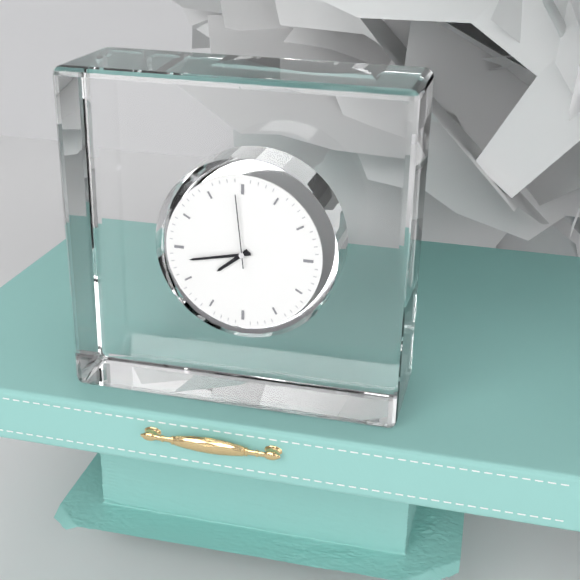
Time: {"hour": 7, "minute": 43, "second": 59}
